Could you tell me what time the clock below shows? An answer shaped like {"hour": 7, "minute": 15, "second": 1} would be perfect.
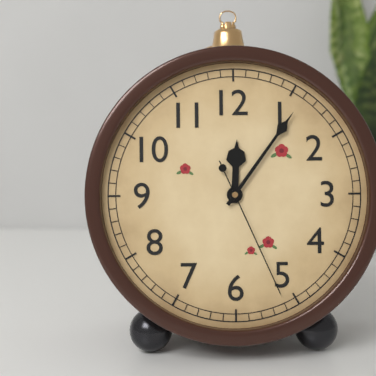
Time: {"hour": 12, "minute": 6, "second": 26}
